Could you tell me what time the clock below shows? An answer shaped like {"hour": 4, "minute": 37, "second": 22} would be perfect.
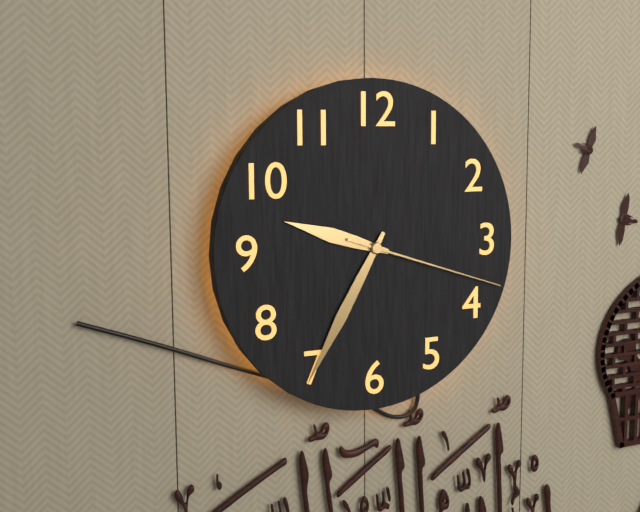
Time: {"hour": 9, "minute": 35, "second": 18}
